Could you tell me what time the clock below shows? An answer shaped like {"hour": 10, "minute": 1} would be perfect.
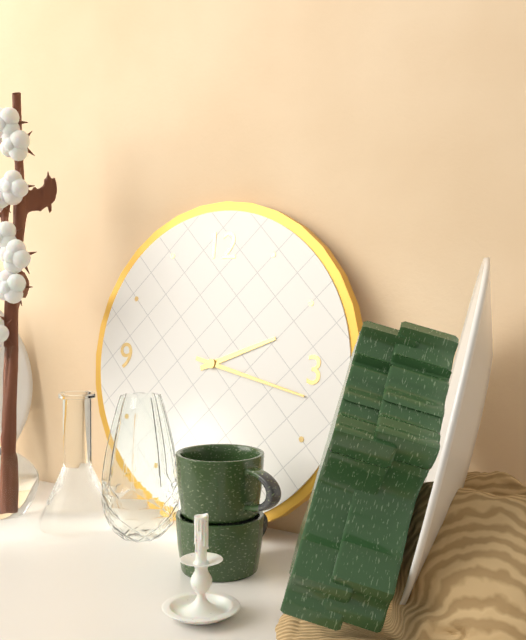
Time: {"hour": 2, "minute": 17}
